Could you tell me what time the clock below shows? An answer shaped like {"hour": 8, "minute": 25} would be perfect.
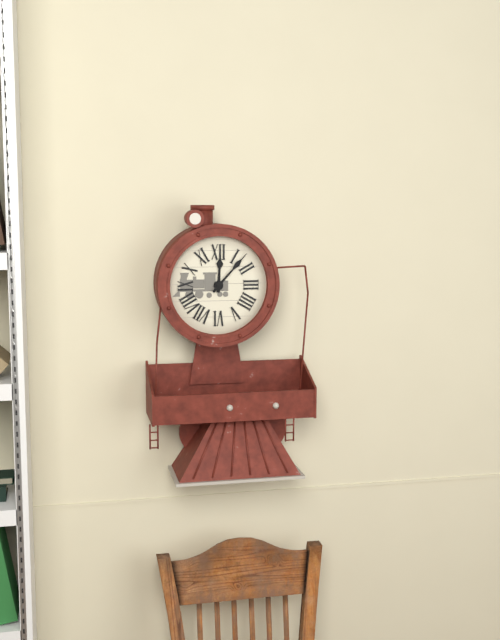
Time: {"hour": 12, "minute": 7}
